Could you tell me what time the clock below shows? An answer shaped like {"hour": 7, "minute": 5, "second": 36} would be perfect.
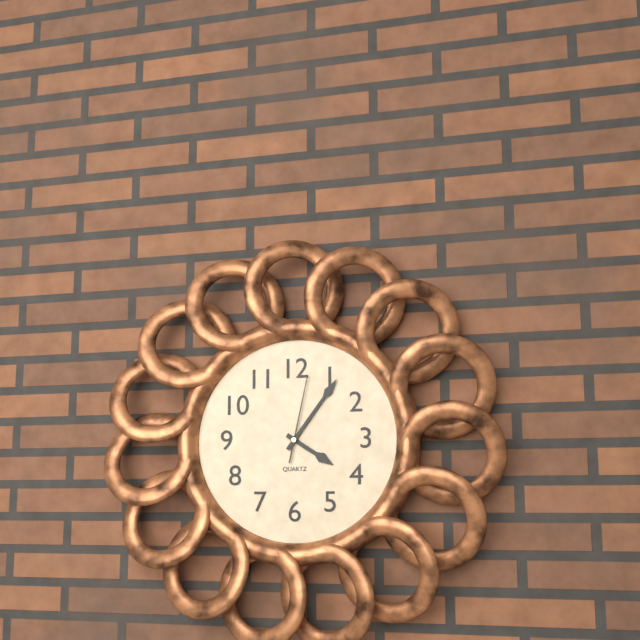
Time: {"hour": 4, "minute": 6, "second": 2}
